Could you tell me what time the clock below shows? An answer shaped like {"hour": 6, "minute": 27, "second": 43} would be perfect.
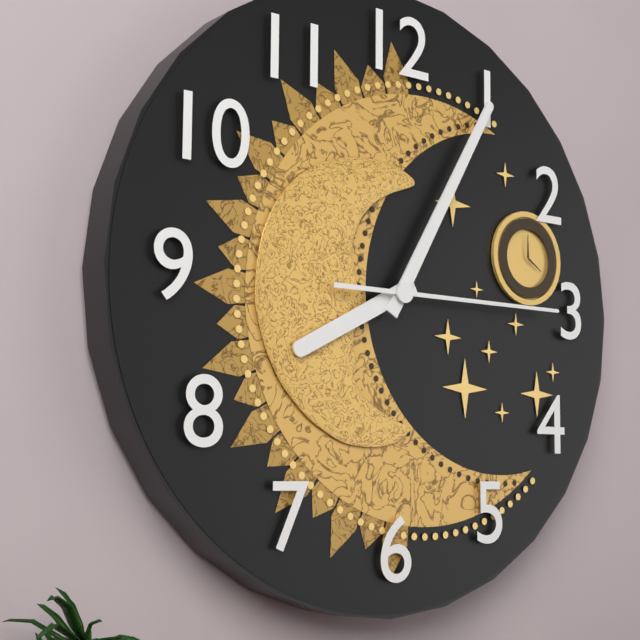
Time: {"hour": 8, "minute": 5, "second": 15}
